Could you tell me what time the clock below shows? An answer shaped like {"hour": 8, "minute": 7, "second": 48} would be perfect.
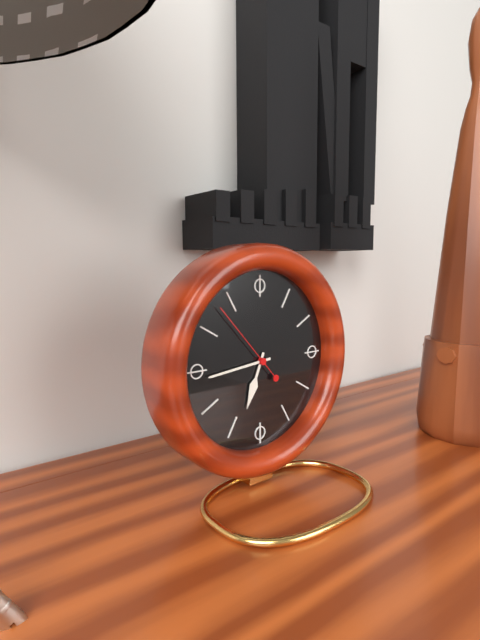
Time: {"hour": 6, "minute": 44, "second": 53}
